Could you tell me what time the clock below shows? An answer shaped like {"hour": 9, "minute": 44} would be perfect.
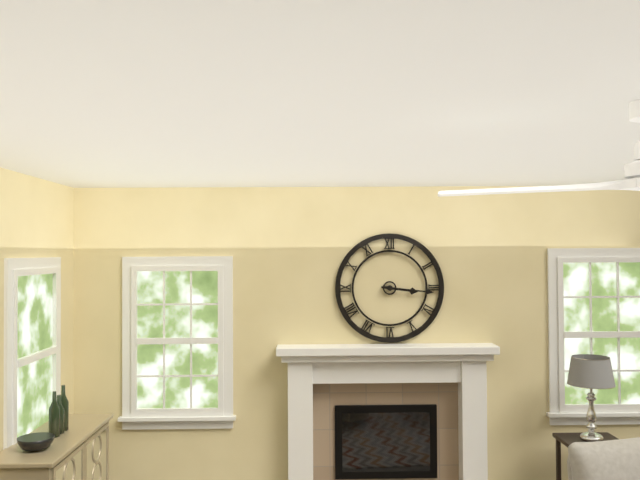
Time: {"hour": 3, "minute": 16}
